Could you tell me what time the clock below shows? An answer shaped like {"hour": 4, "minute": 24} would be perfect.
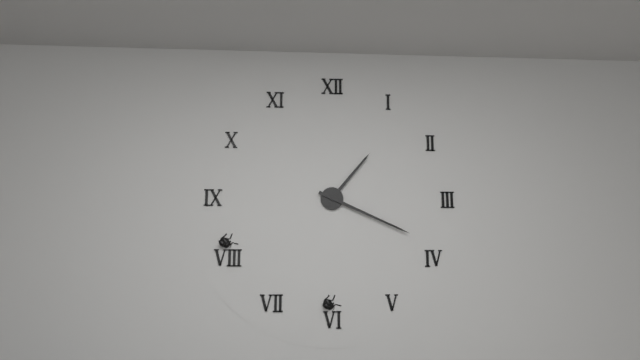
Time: {"hour": 1, "minute": 19}
